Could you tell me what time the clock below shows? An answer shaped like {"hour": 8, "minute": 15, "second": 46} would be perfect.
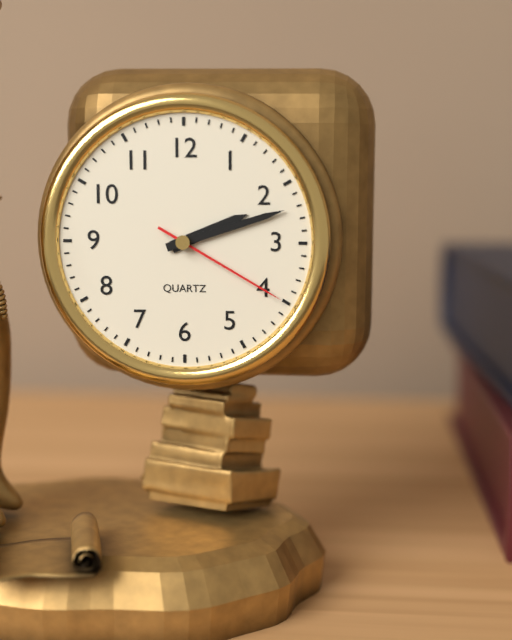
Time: {"hour": 2, "minute": 12, "second": 20}
